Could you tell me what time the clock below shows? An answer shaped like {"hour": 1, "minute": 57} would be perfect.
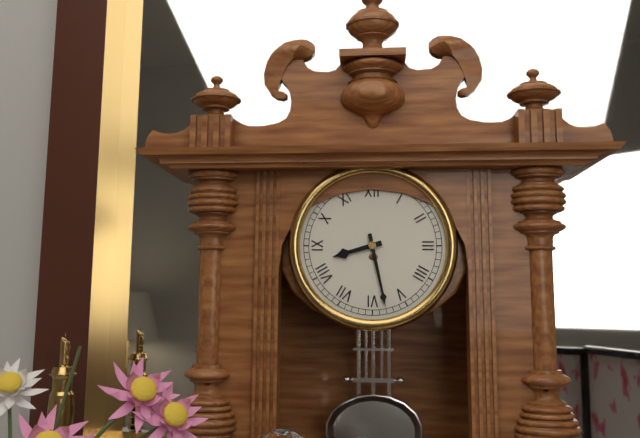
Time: {"hour": 8, "minute": 28}
